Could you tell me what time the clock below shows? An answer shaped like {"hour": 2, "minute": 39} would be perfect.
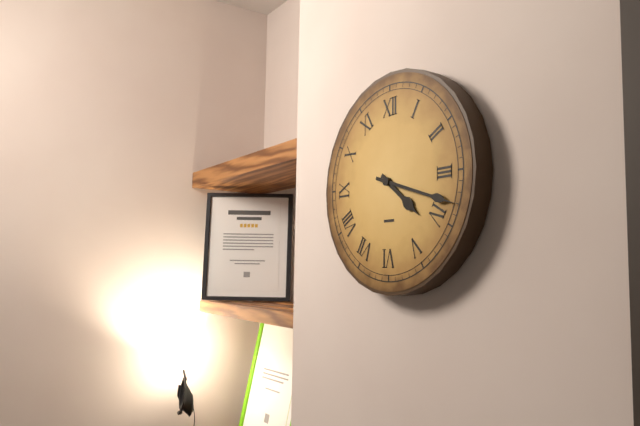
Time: {"hour": 4, "minute": 18}
